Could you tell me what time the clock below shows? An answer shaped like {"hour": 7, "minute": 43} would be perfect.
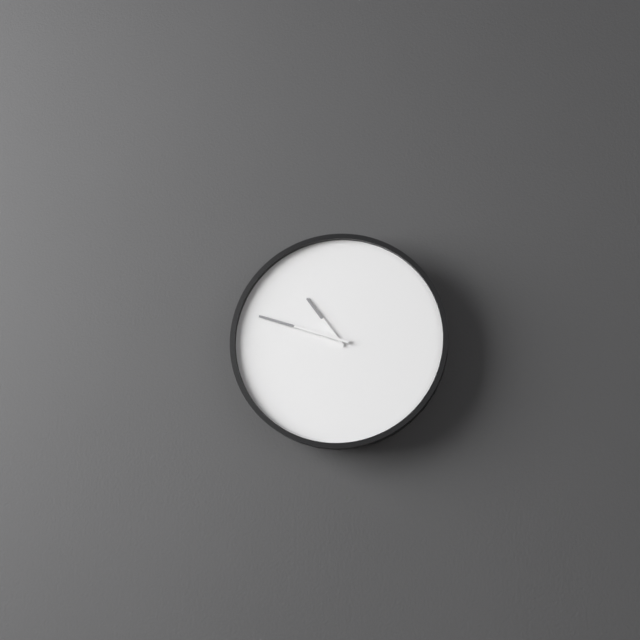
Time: {"hour": 10, "minute": 48}
